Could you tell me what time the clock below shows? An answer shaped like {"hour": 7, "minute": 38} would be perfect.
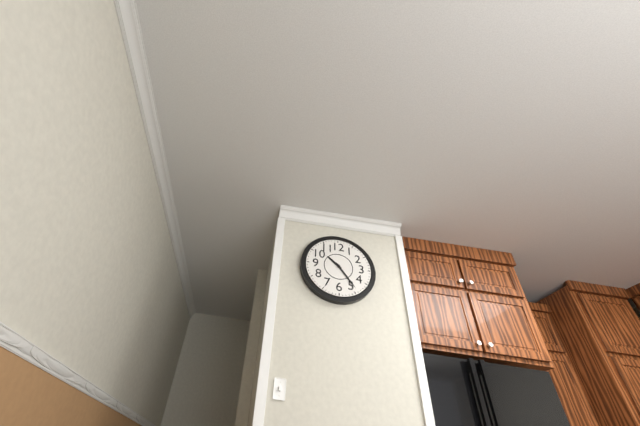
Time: {"hour": 10, "minute": 24}
